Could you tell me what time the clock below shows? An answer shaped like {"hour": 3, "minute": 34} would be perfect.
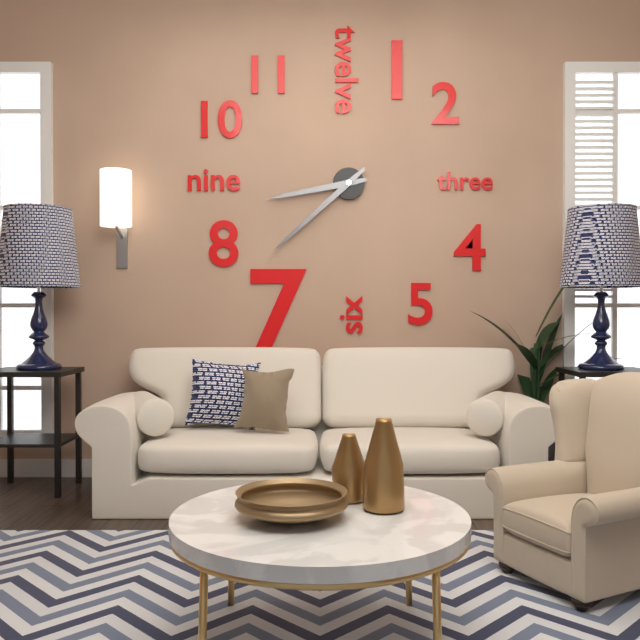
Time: {"hour": 8, "minute": 38}
